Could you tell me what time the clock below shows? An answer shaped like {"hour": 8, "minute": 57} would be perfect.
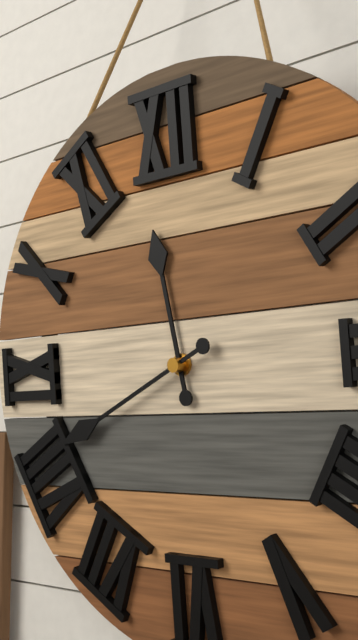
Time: {"hour": 11, "minute": 41}
